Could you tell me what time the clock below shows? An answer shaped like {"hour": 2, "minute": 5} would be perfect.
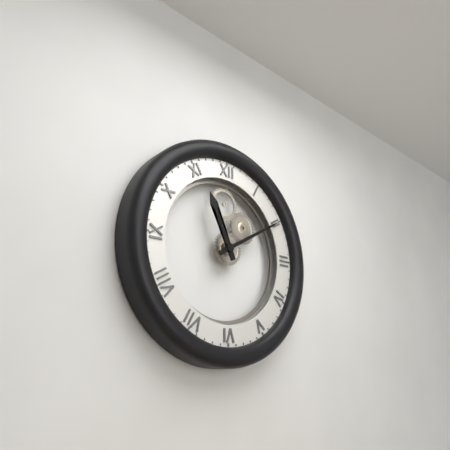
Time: {"hour": 11, "minute": 10}
